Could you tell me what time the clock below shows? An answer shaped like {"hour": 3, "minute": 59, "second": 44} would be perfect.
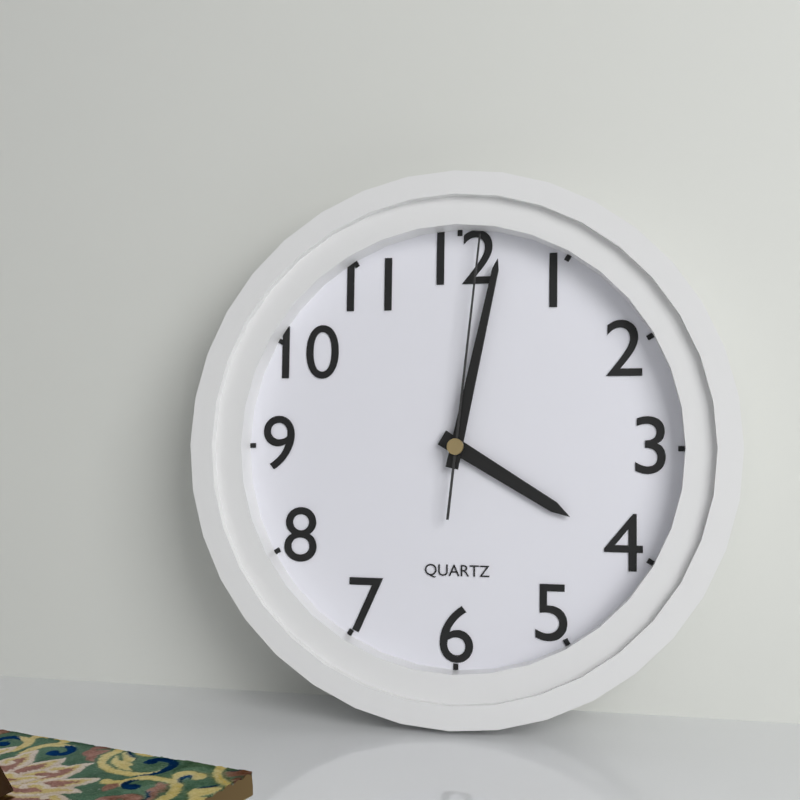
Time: {"hour": 4, "minute": 2, "second": 1}
